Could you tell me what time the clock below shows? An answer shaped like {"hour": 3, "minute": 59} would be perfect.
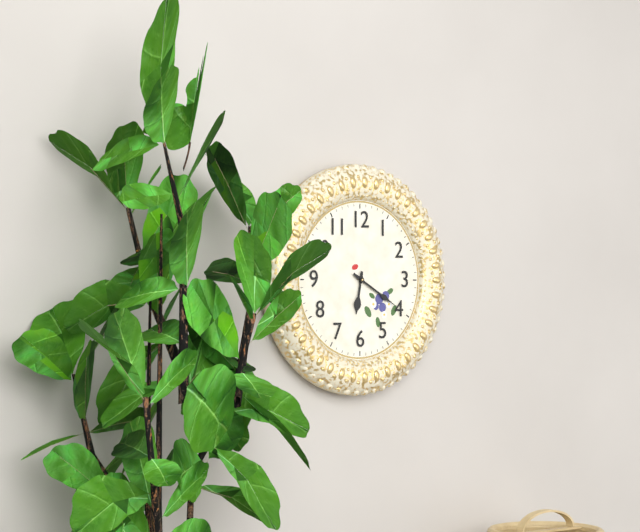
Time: {"hour": 6, "minute": 20}
